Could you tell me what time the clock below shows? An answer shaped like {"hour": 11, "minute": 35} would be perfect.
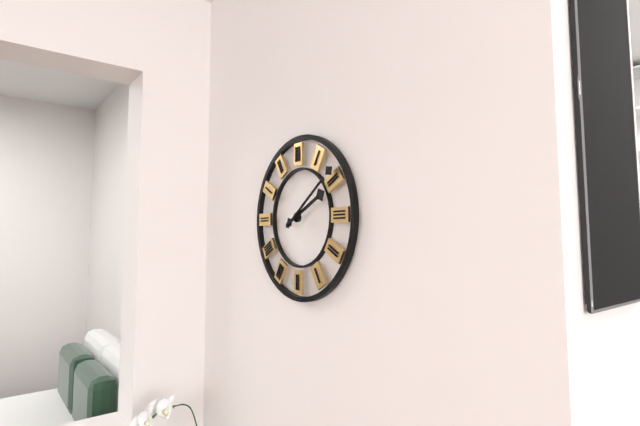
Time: {"hour": 2, "minute": 9}
